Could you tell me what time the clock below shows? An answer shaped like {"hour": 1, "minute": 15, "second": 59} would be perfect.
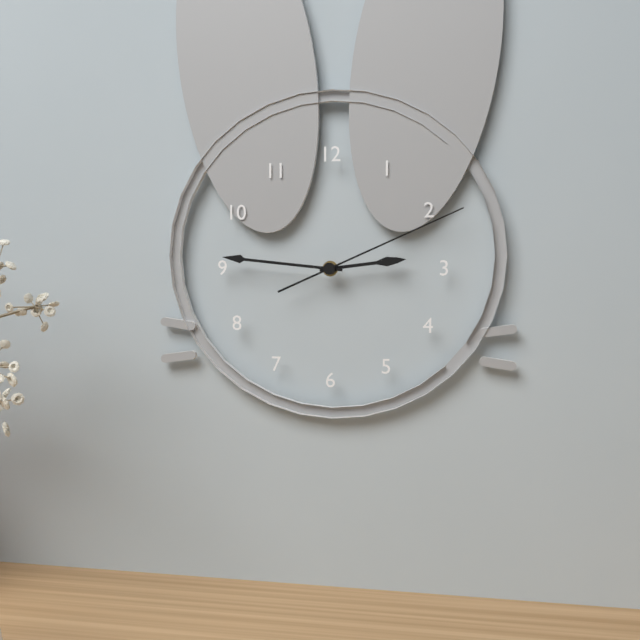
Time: {"hour": 2, "minute": 46, "second": 11}
